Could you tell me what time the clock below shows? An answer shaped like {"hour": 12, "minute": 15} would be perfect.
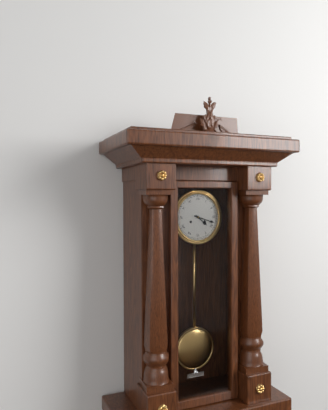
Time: {"hour": 4, "minute": 18}
